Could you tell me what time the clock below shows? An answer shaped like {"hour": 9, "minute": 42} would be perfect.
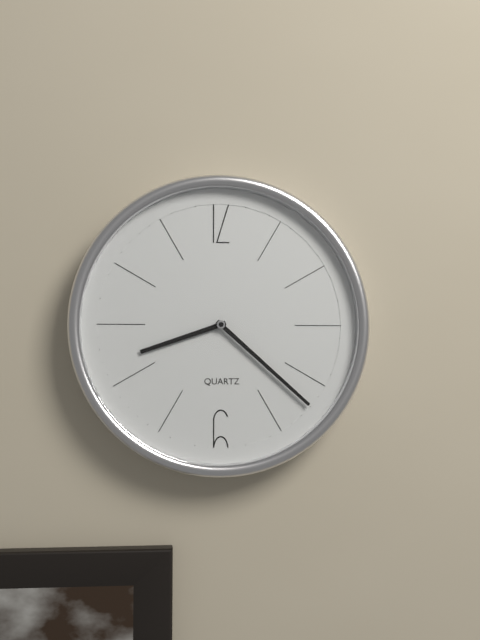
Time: {"hour": 8, "minute": 22}
